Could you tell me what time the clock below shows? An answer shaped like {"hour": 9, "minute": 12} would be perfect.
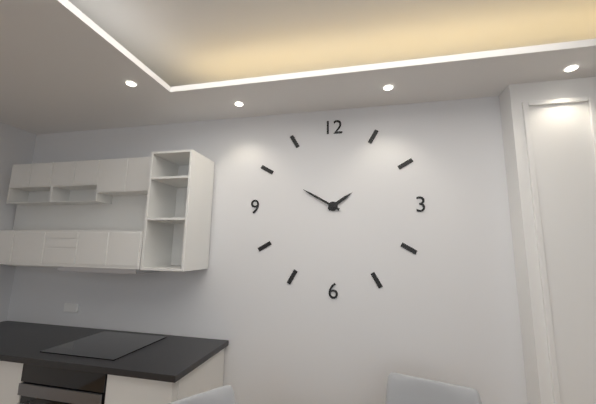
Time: {"hour": 1, "minute": 50}
